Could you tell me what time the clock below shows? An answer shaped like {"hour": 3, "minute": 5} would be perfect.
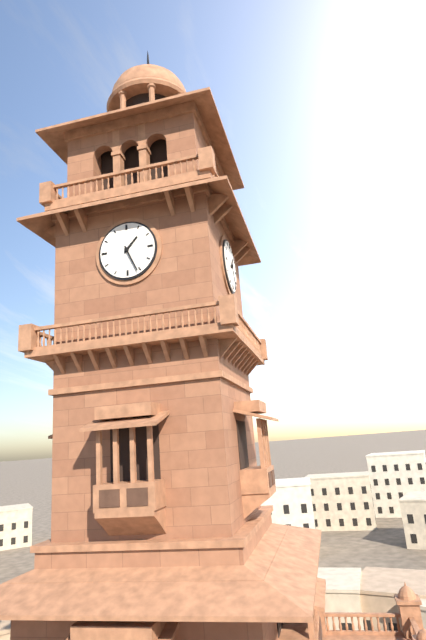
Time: {"hour": 1, "minute": 26}
